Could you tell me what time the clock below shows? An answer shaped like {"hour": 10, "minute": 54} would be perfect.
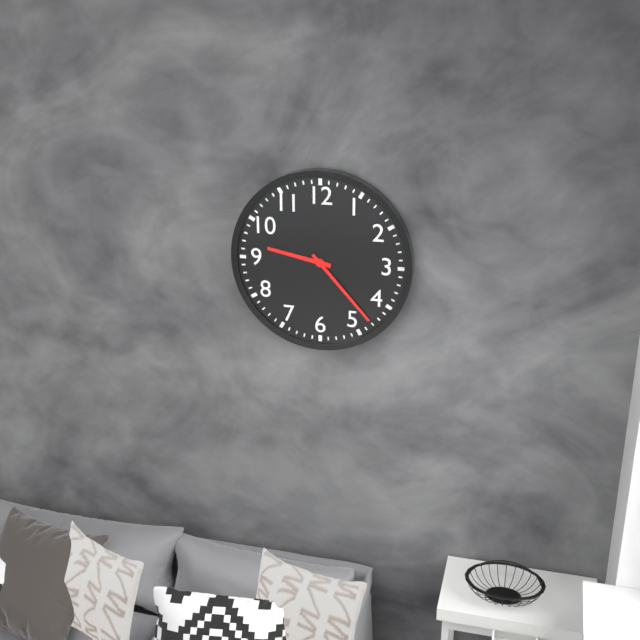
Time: {"hour": 9, "minute": 23}
